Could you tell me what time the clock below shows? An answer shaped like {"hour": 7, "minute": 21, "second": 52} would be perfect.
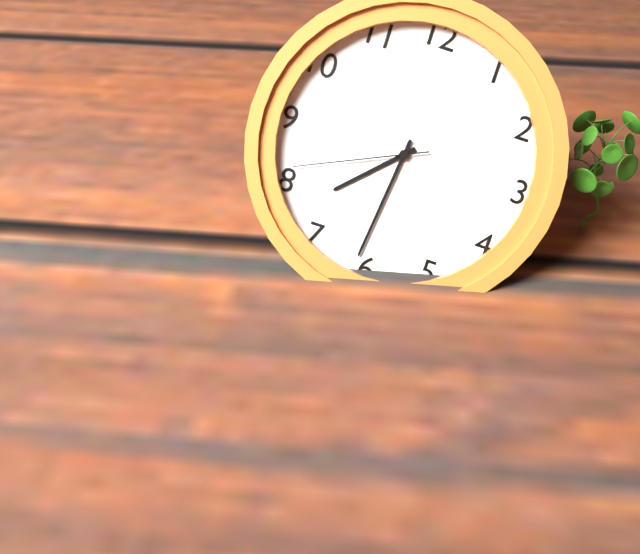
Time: {"hour": 7, "minute": 31, "second": 41}
